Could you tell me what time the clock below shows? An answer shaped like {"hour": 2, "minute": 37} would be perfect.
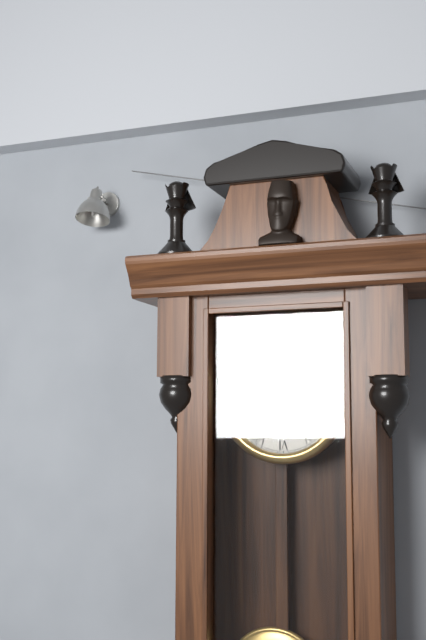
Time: {"hour": 9, "minute": 56}
